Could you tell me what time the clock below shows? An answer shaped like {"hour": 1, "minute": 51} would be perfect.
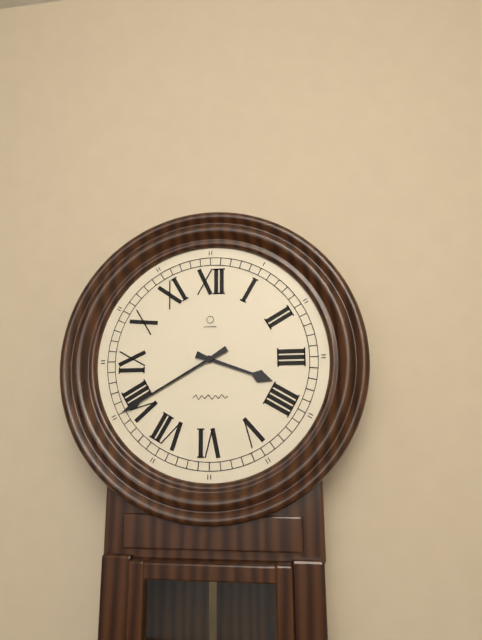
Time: {"hour": 3, "minute": 40}
